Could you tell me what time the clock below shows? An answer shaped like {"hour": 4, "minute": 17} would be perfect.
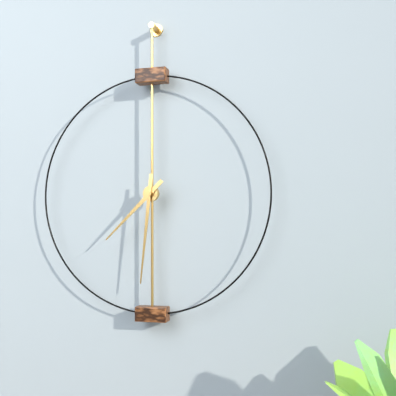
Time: {"hour": 7, "minute": 31}
